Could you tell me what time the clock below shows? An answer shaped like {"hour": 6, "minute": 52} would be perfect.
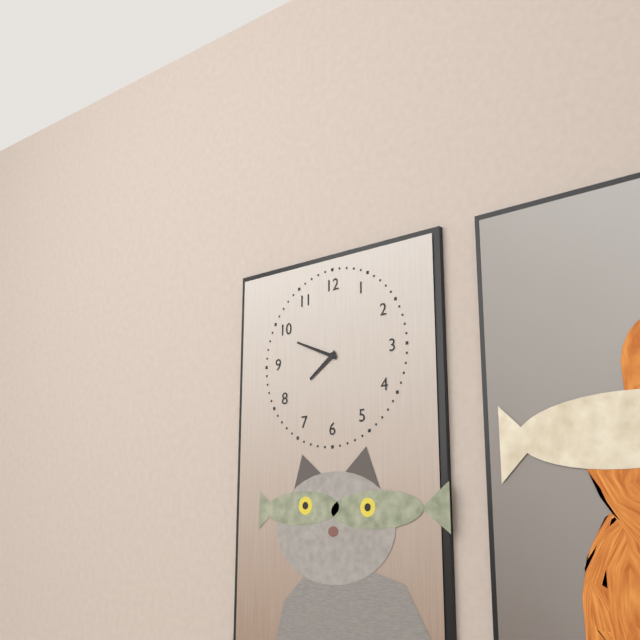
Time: {"hour": 7, "minute": 49}
